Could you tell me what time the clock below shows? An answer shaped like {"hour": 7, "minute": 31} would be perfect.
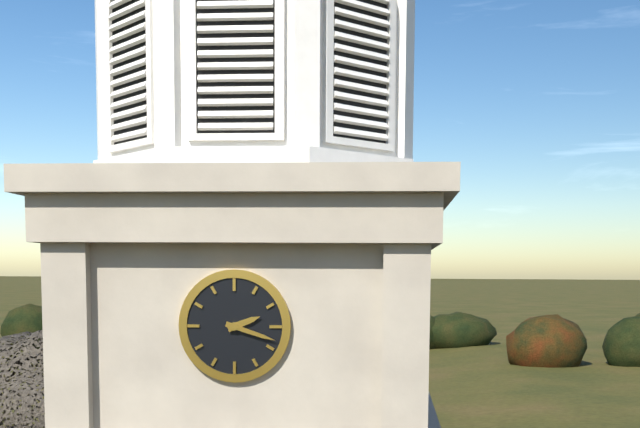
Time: {"hour": 2, "minute": 18}
